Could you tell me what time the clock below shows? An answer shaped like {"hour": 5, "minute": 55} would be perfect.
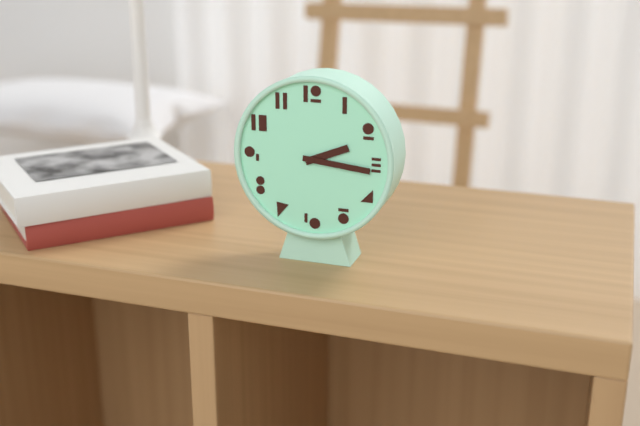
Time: {"hour": 2, "minute": 16}
